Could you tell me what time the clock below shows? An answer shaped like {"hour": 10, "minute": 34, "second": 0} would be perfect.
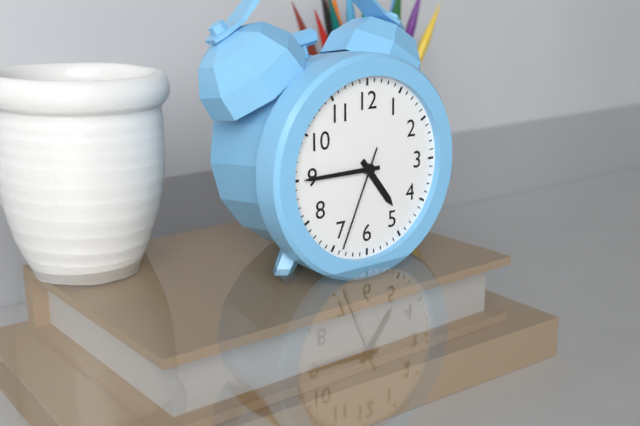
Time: {"hour": 4, "minute": 45, "second": 34}
